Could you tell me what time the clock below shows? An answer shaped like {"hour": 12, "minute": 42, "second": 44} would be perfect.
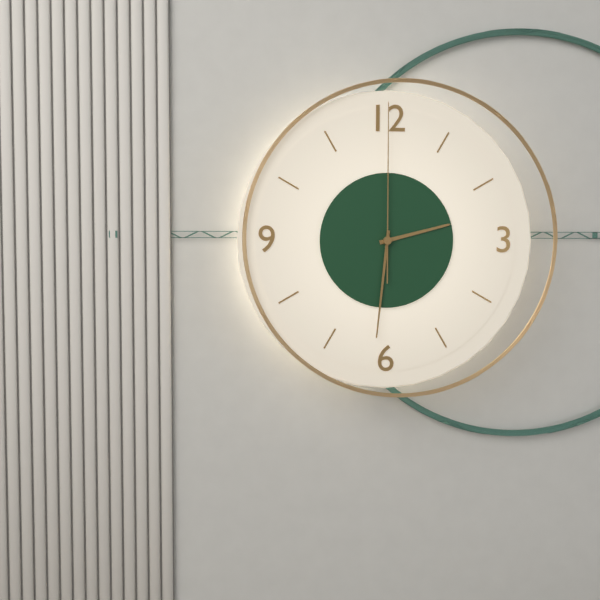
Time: {"hour": 2, "minute": 31, "second": 0}
